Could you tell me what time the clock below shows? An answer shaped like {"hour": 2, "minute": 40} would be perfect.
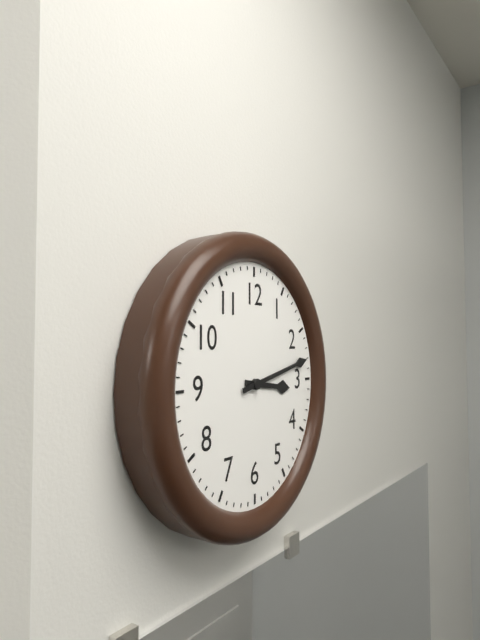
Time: {"hour": 3, "minute": 13}
